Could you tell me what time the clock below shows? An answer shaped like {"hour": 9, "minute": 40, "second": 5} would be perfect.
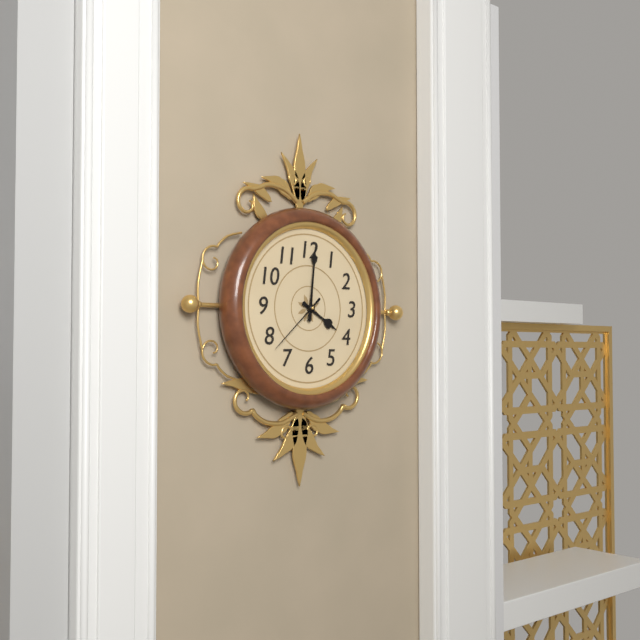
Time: {"hour": 4, "minute": 1, "second": 38}
